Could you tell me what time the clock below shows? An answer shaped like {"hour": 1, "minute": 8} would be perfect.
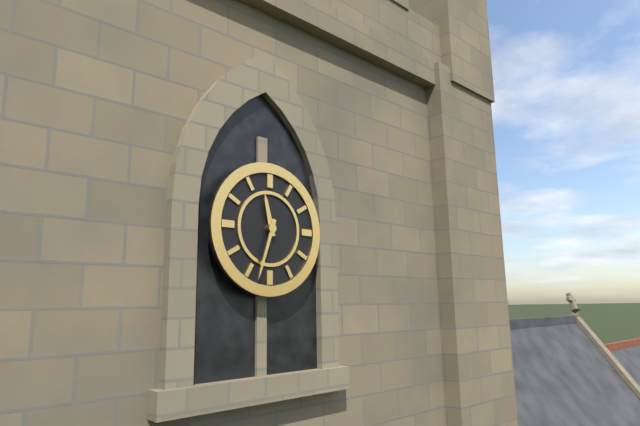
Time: {"hour": 11, "minute": 33}
